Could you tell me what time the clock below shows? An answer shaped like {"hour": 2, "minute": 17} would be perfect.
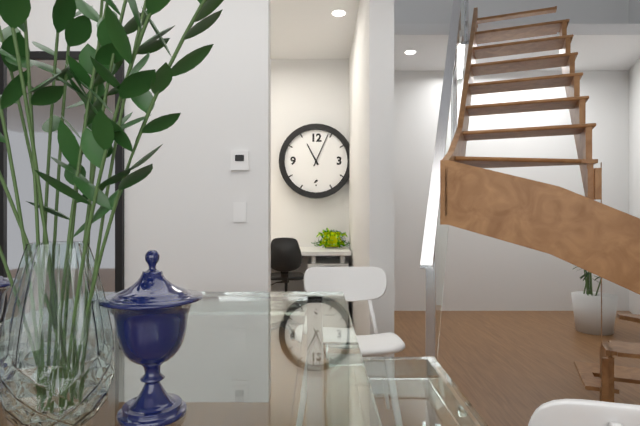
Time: {"hour": 11, "minute": 4}
